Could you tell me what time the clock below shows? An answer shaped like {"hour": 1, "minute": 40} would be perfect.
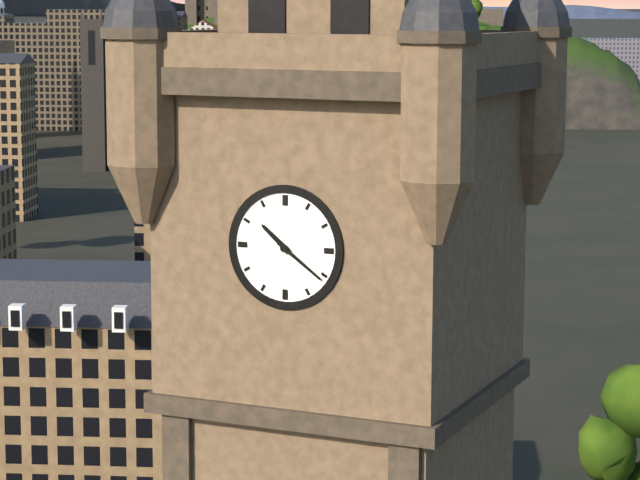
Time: {"hour": 10, "minute": 21}
